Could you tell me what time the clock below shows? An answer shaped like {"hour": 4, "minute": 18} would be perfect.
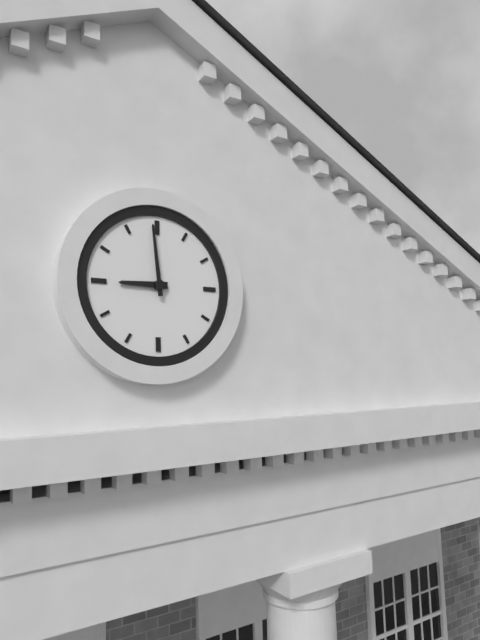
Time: {"hour": 8, "minute": 59}
